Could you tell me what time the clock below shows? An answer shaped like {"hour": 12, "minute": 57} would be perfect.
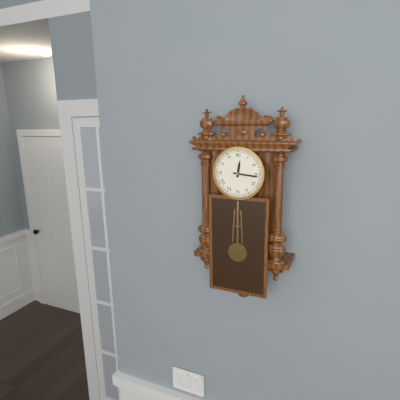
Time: {"hour": 12, "minute": 16}
